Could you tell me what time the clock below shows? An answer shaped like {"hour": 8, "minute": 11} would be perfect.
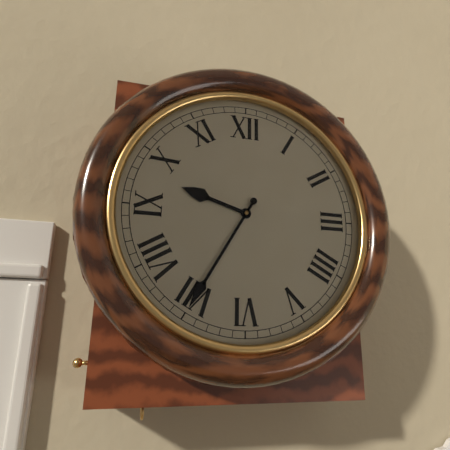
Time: {"hour": 9, "minute": 35}
